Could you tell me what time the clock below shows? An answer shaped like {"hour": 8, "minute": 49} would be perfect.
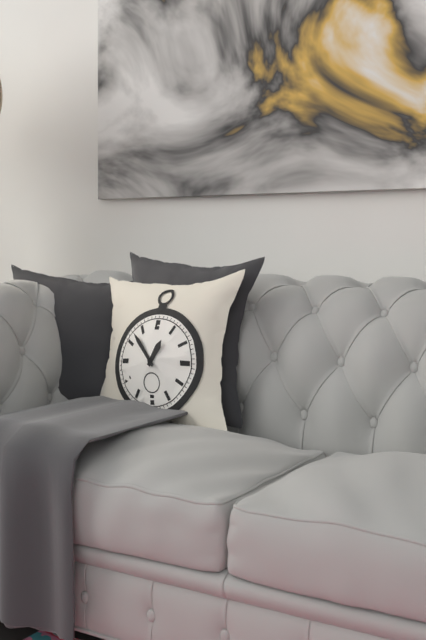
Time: {"hour": 12, "minute": 53}
